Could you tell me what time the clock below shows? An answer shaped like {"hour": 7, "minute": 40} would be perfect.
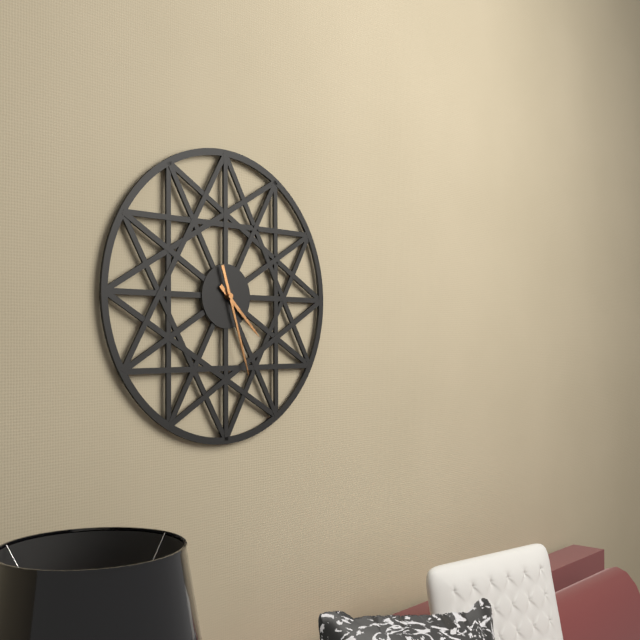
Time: {"hour": 4, "minute": 27}
